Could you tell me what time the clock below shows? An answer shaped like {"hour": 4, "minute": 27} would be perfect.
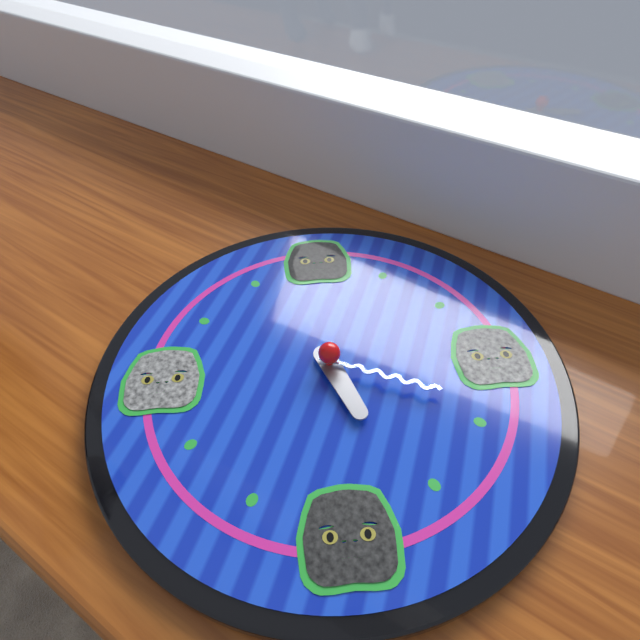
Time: {"hour": 5, "minute": 19}
